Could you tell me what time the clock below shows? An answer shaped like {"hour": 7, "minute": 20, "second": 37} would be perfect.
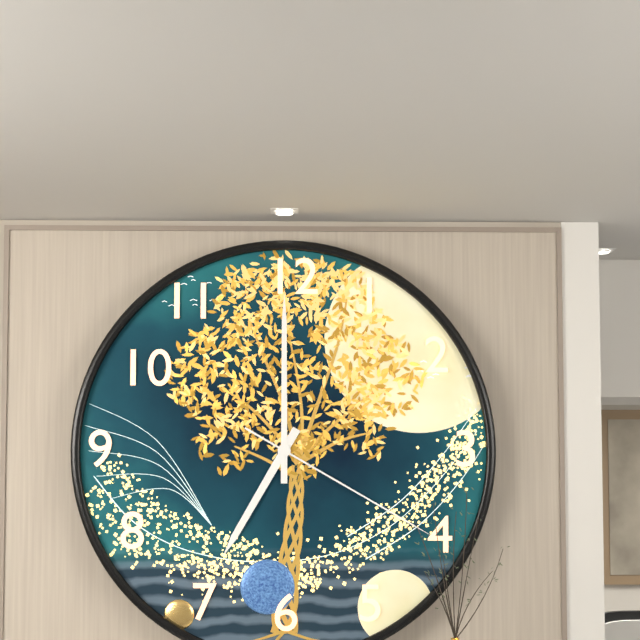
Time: {"hour": 7, "minute": 0, "second": 20}
